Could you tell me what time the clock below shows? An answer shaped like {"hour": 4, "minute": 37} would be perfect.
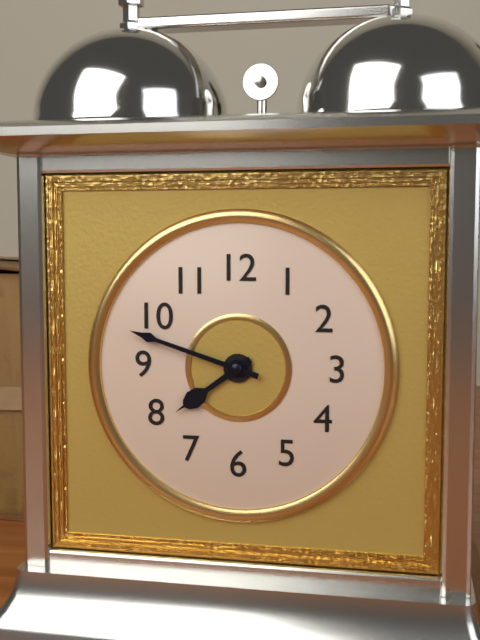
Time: {"hour": 7, "minute": 48}
